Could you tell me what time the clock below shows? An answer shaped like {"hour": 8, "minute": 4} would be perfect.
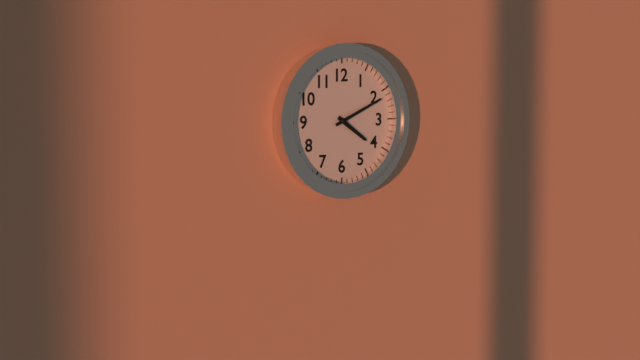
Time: {"hour": 4, "minute": 11}
